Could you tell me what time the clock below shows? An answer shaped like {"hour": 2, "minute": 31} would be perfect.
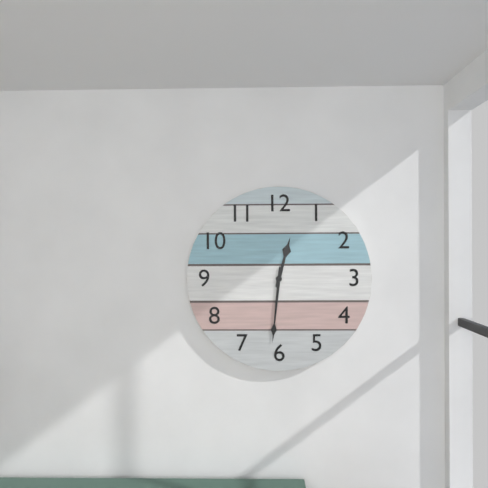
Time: {"hour": 12, "minute": 31}
